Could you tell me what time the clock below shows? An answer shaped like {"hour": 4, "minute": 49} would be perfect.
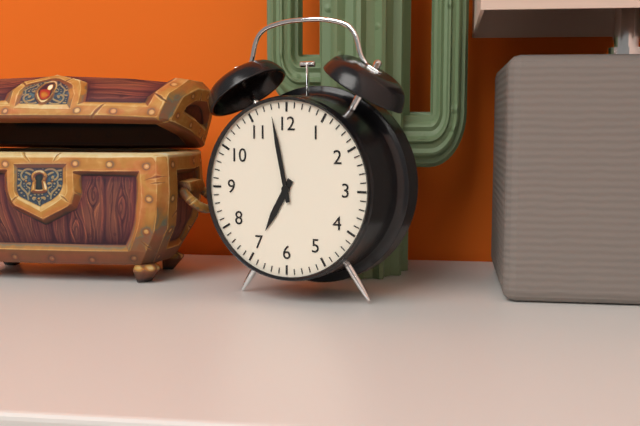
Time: {"hour": 6, "minute": 58}
